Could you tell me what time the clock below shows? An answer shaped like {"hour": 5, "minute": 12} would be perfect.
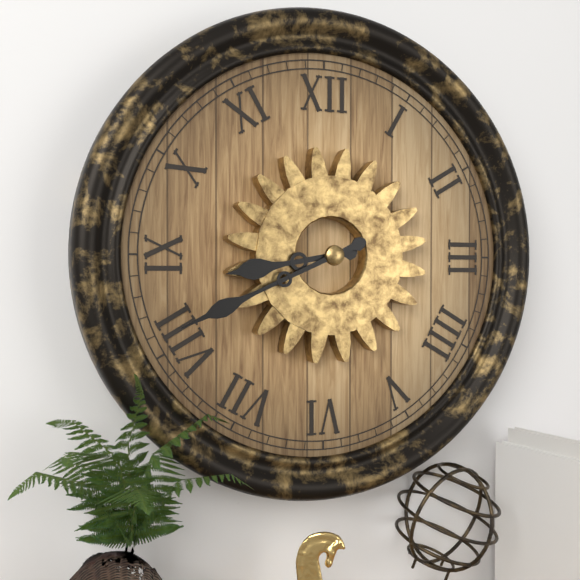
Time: {"hour": 8, "minute": 41}
